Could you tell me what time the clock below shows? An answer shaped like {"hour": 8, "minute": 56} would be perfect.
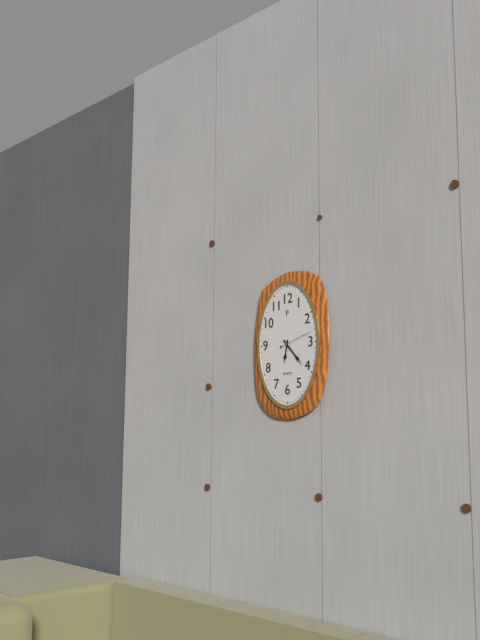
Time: {"hour": 6, "minute": 23}
